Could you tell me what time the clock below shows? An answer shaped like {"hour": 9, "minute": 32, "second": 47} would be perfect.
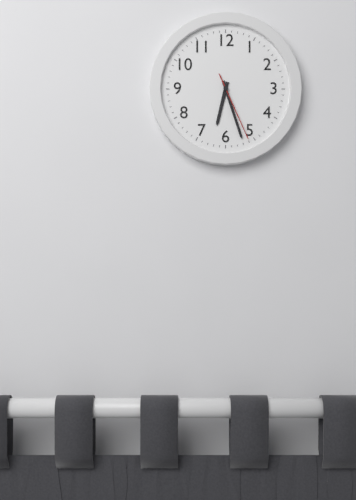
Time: {"hour": 6, "minute": 27, "second": 26}
